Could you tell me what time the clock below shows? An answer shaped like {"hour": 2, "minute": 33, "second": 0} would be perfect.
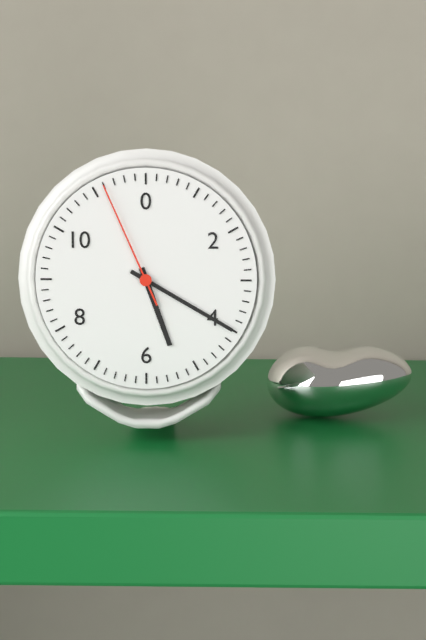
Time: {"hour": 5, "minute": 20, "second": 56}
